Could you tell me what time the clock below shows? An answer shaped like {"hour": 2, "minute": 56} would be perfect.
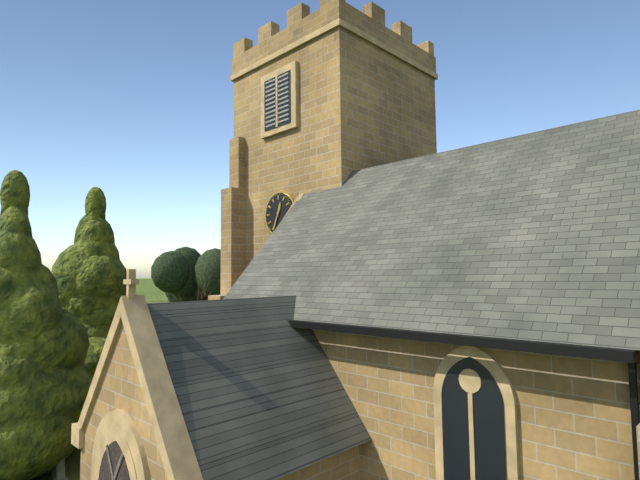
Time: {"hour": 12, "minute": 34}
